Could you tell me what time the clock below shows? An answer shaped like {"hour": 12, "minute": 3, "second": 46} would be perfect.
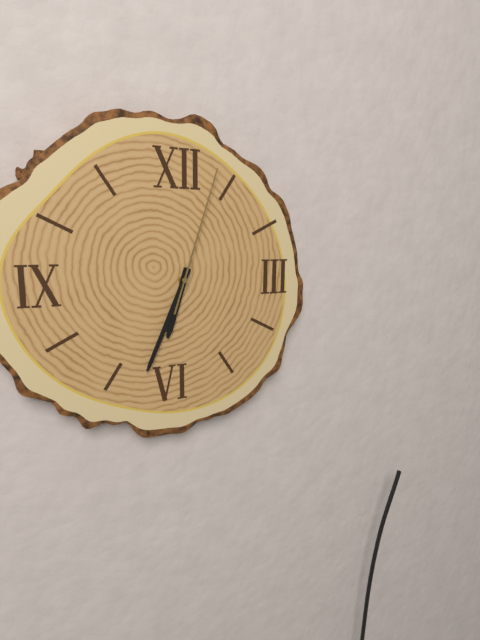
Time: {"hour": 6, "minute": 34, "second": 3}
